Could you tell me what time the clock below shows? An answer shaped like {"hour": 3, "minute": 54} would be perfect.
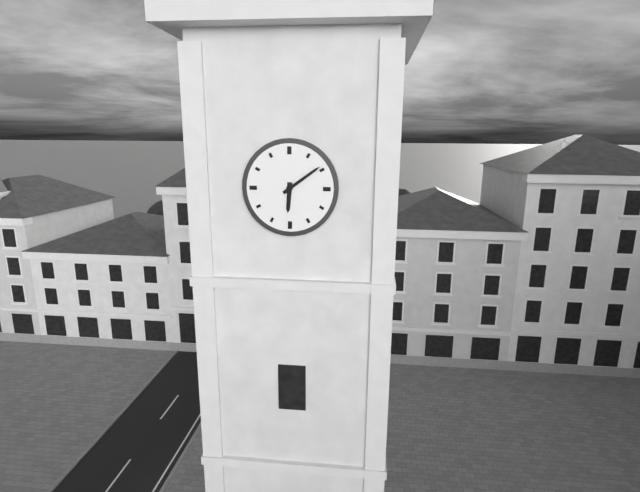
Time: {"hour": 6, "minute": 9}
